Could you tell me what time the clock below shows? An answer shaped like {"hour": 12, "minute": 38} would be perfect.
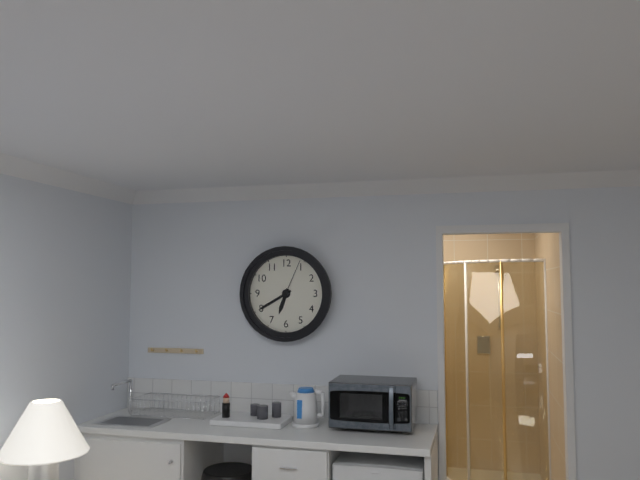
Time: {"hour": 6, "minute": 40}
